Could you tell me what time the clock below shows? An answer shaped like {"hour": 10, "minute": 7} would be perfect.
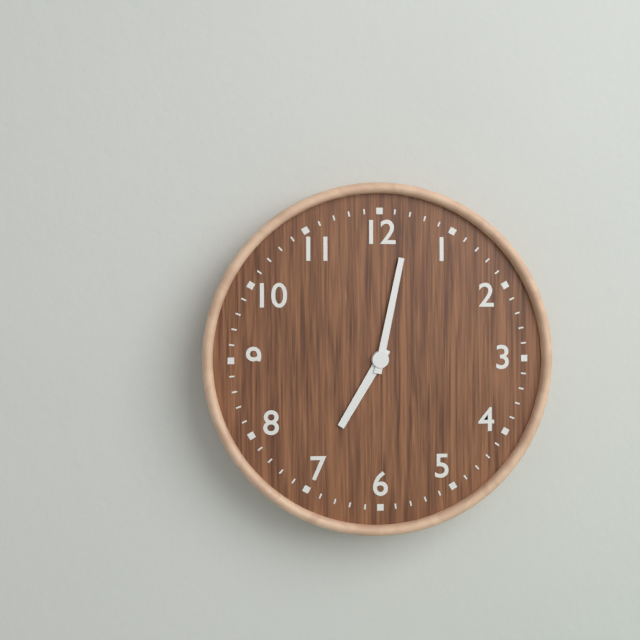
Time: {"hour": 7, "minute": 2}
